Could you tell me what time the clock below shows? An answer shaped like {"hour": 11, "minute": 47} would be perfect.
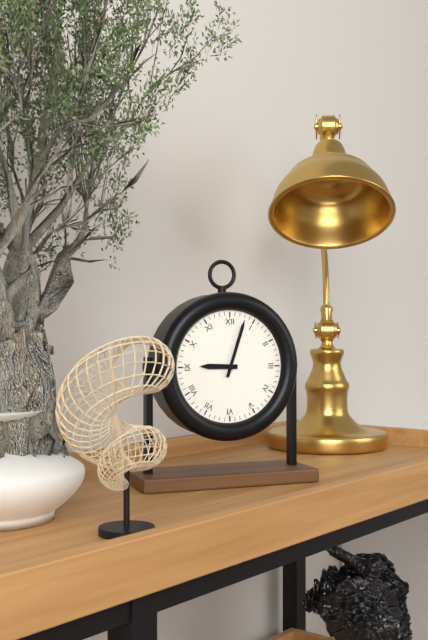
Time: {"hour": 9, "minute": 3}
